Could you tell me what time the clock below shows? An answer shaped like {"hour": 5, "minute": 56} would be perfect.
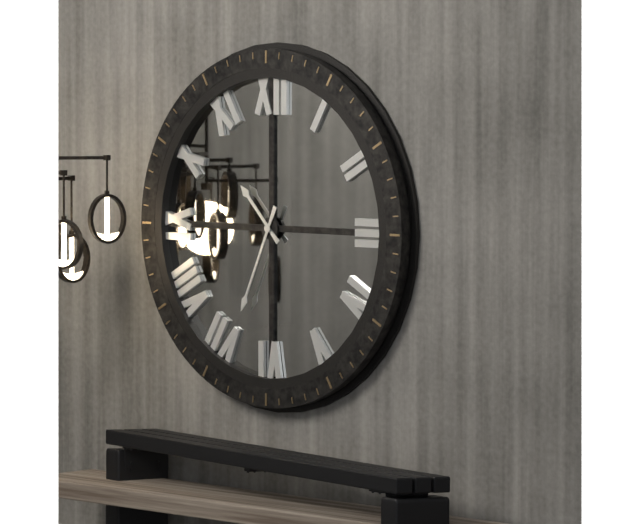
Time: {"hour": 10, "minute": 34}
